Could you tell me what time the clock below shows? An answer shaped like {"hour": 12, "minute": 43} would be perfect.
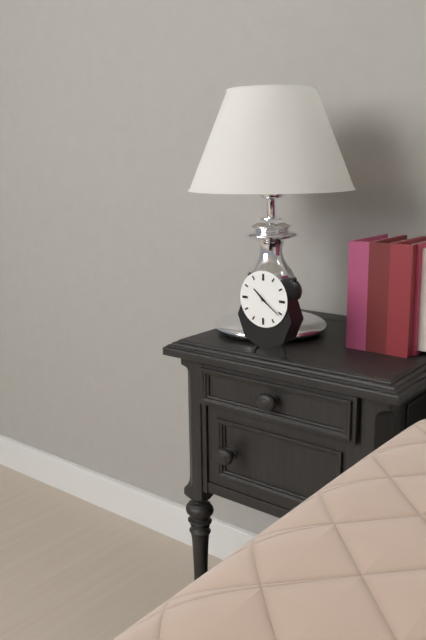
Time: {"hour": 10, "minute": 21}
